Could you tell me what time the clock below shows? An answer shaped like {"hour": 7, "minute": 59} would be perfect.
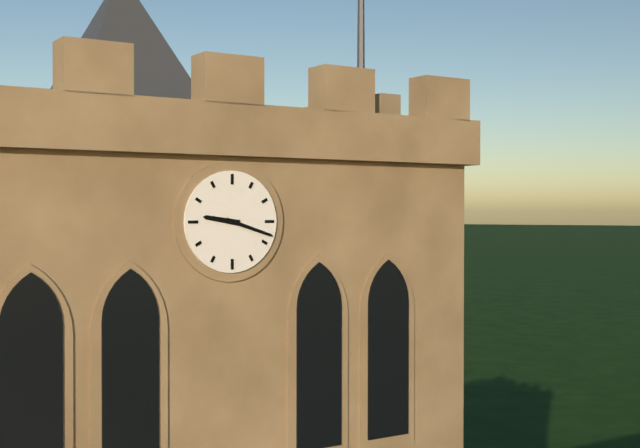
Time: {"hour": 9, "minute": 18}
